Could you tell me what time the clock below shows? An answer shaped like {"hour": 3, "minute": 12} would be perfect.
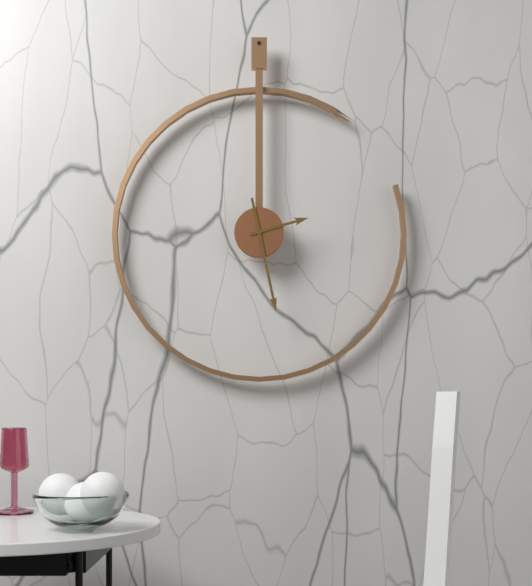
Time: {"hour": 2, "minute": 28}
